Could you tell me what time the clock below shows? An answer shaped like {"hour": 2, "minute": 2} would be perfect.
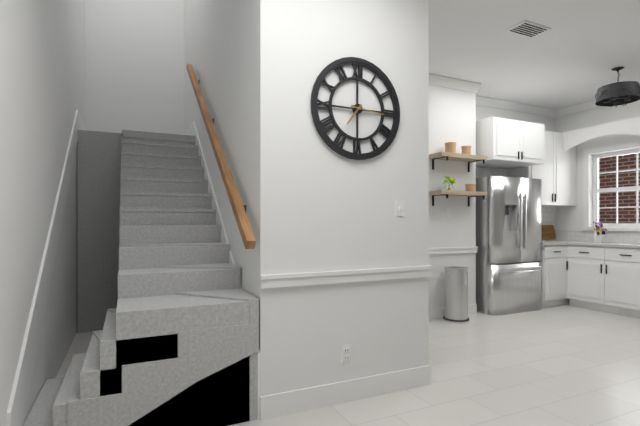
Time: {"hour": 7, "minute": 16}
